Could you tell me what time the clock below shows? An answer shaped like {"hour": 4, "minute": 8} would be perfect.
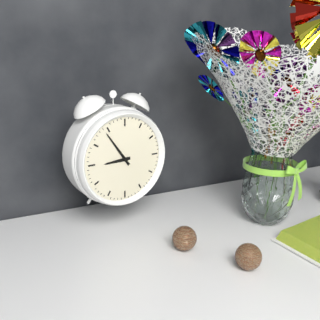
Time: {"hour": 8, "minute": 54}
